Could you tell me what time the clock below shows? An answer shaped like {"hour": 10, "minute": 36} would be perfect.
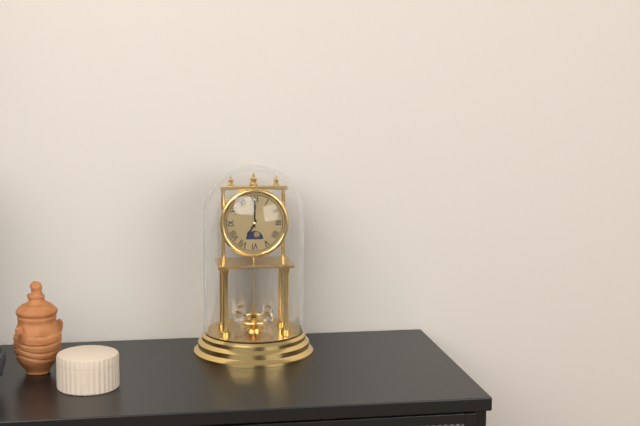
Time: {"hour": 7, "minute": 0}
